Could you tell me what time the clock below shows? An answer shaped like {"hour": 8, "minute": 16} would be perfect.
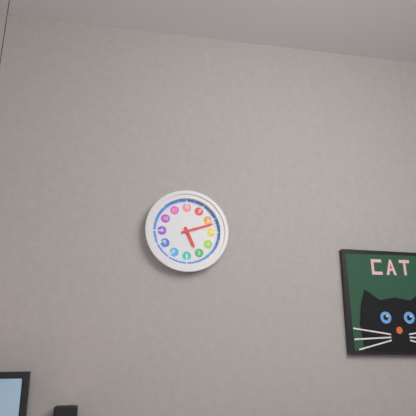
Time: {"hour": 5, "minute": 12}
